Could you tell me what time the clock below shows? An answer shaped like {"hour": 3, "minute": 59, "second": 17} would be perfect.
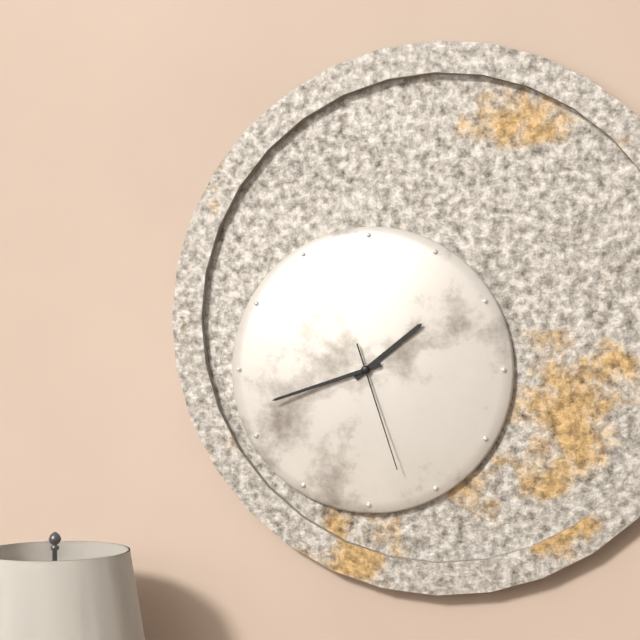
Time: {"hour": 1, "minute": 42, "second": 27}
